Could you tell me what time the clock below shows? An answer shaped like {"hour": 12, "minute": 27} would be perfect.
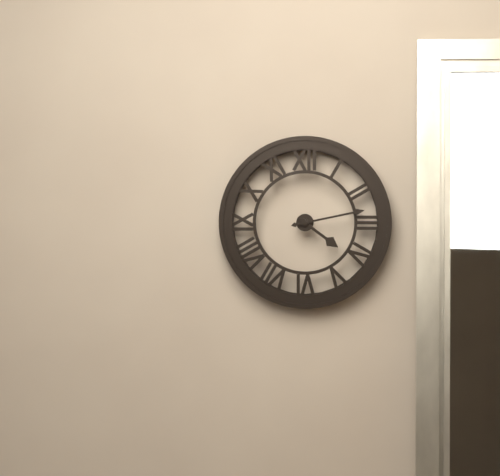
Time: {"hour": 4, "minute": 13}
